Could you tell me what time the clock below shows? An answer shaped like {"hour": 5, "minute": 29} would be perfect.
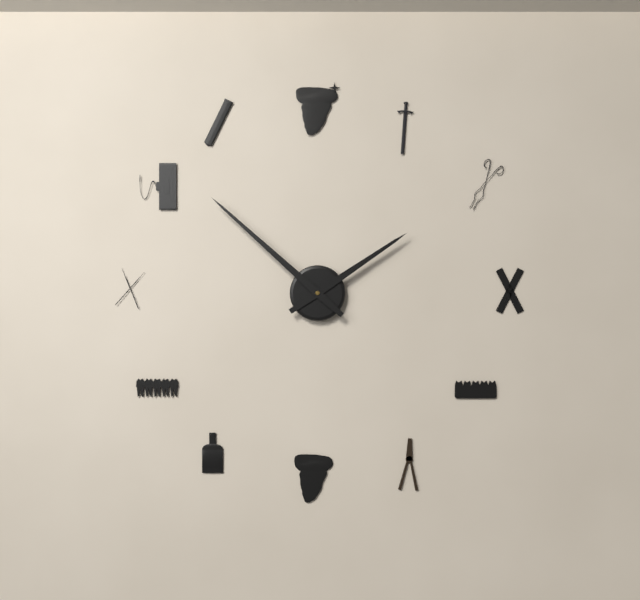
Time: {"hour": 1, "minute": 52}
